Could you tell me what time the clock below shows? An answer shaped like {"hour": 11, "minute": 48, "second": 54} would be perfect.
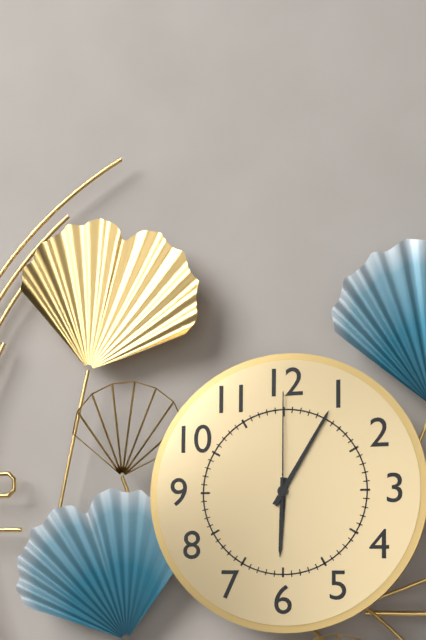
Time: {"hour": 6, "minute": 5, "second": 0}
